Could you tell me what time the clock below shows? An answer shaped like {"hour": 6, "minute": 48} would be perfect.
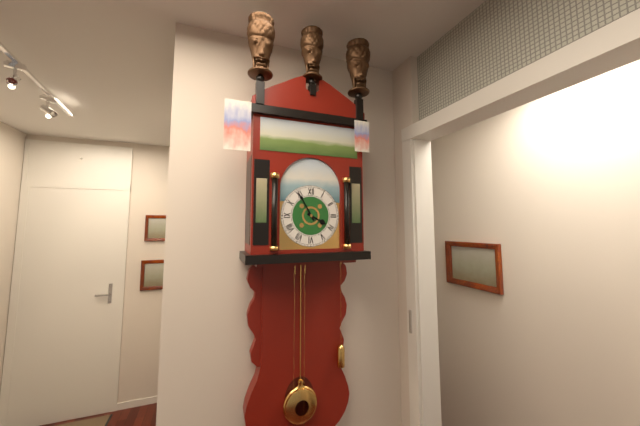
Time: {"hour": 3, "minute": 55}
